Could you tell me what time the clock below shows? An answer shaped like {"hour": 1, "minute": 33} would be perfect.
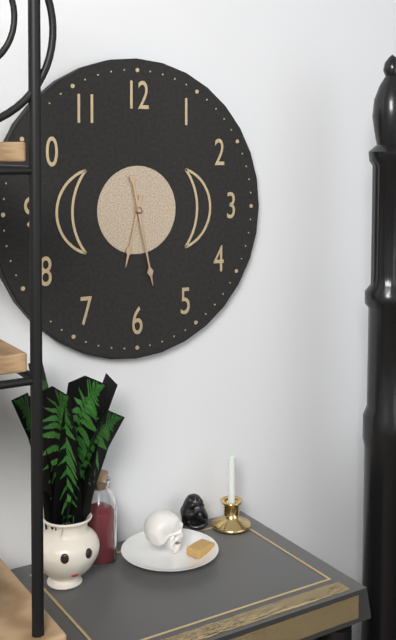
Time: {"hour": 6, "minute": 28}
